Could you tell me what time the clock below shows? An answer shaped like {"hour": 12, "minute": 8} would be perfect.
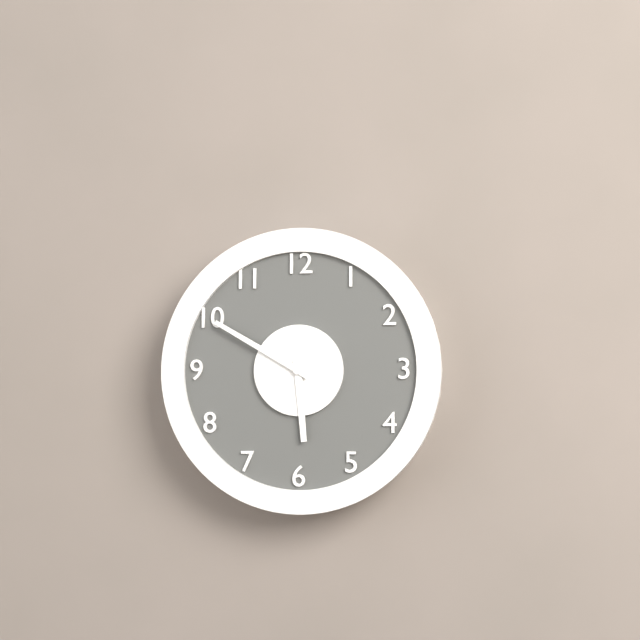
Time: {"hour": 5, "minute": 50}
